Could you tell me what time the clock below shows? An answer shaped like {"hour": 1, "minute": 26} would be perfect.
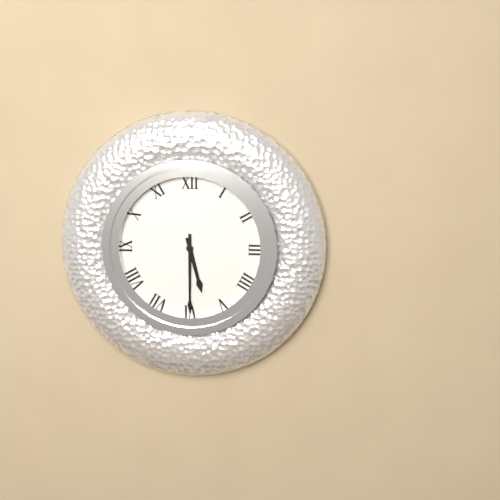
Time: {"hour": 5, "minute": 30}
